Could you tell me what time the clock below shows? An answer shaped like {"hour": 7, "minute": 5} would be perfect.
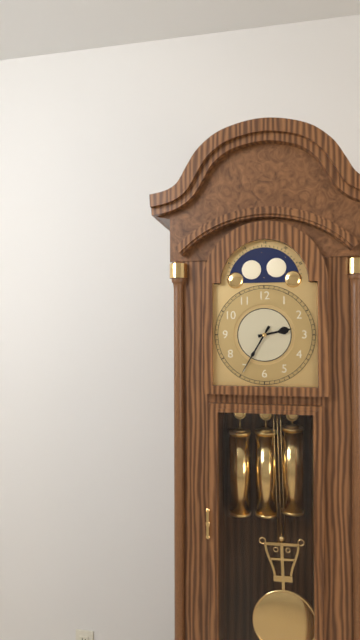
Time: {"hour": 2, "minute": 35}
